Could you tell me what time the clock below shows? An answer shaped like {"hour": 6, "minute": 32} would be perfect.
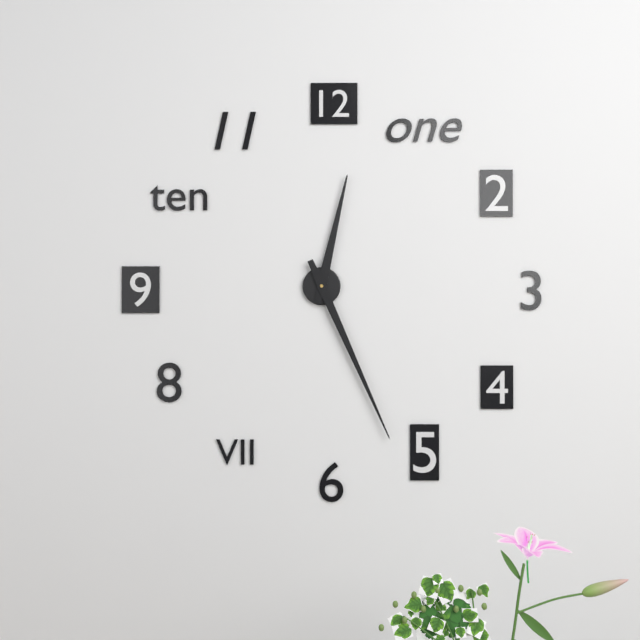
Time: {"hour": 12, "minute": 26}
